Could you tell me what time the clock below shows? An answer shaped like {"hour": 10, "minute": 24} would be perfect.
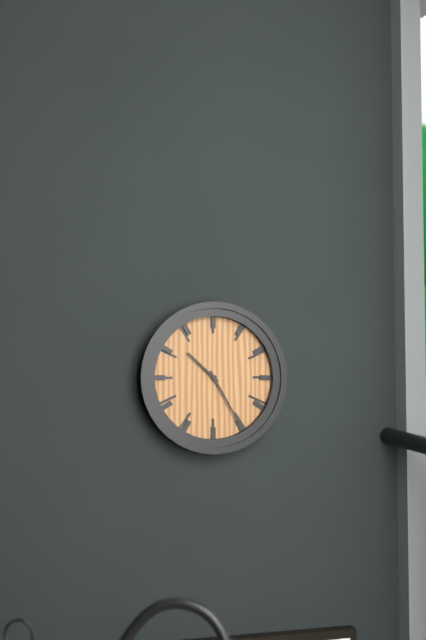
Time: {"hour": 10, "minute": 25}
